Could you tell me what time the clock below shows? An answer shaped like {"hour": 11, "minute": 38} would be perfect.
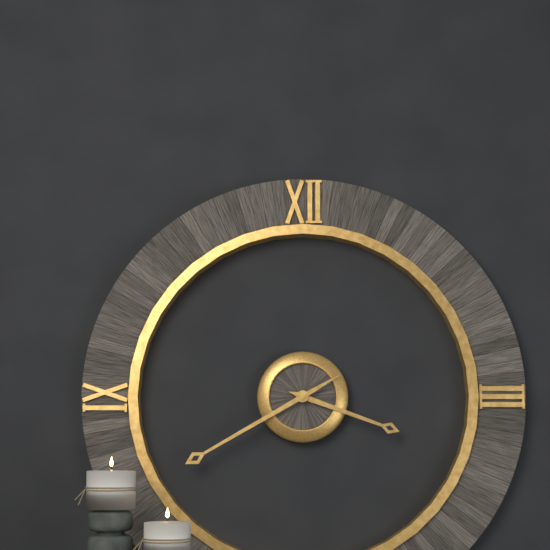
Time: {"hour": 3, "minute": 40}
